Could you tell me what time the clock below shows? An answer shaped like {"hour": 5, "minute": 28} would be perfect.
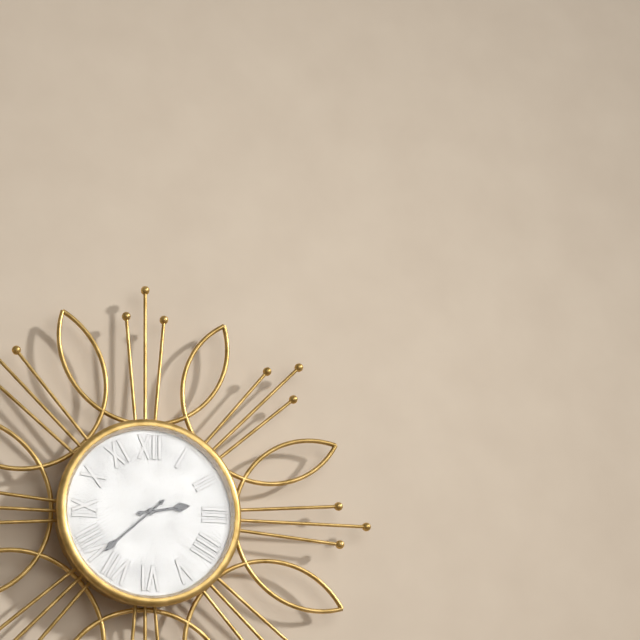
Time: {"hour": 2, "minute": 38}
